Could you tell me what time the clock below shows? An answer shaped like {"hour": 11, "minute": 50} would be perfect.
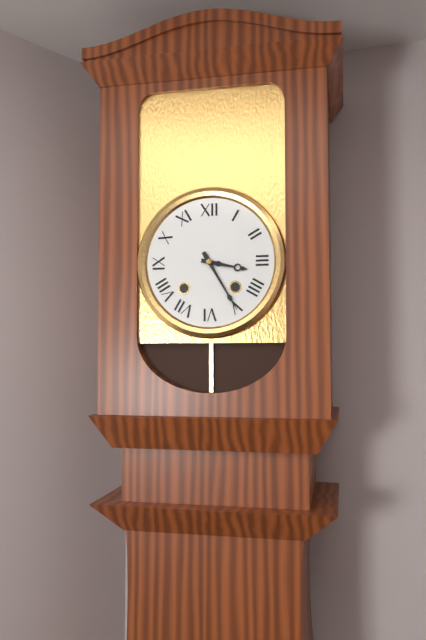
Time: {"hour": 3, "minute": 25}
